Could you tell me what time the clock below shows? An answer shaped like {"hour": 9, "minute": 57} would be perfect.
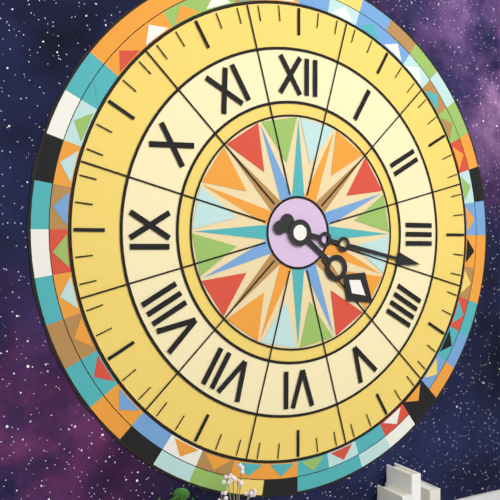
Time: {"hour": 4, "minute": 17}
